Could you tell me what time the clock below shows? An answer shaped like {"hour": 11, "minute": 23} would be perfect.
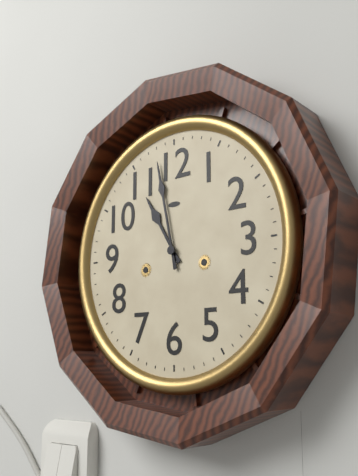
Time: {"hour": 10, "minute": 58}
